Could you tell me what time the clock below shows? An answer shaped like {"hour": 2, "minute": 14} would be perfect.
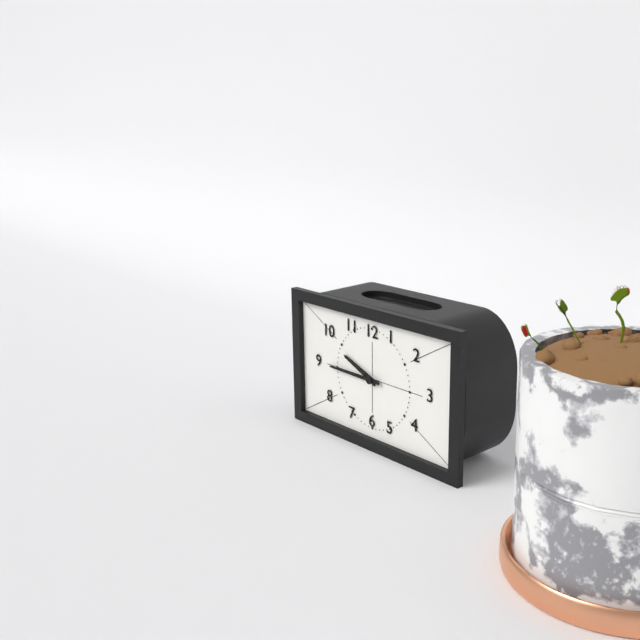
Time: {"hour": 9, "minute": 45}
